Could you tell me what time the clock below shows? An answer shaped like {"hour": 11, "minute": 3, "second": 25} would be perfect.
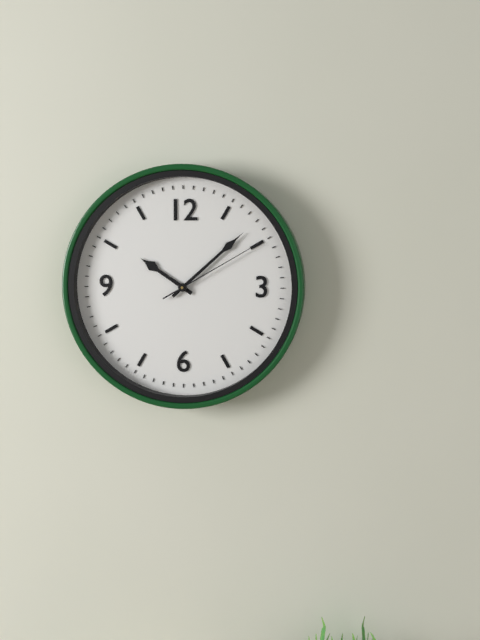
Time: {"hour": 10, "minute": 8, "second": 10}
